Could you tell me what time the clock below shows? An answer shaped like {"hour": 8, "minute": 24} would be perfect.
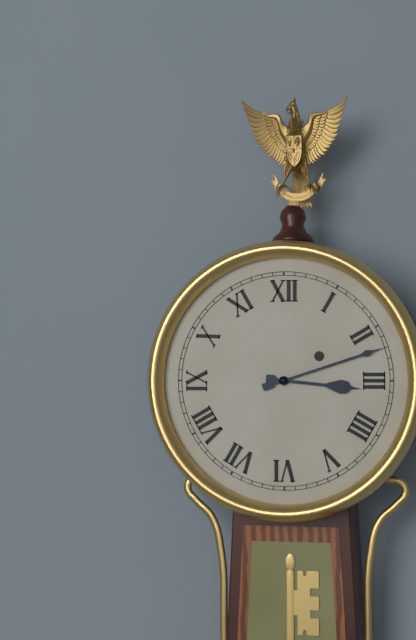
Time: {"hour": 3, "minute": 12}
